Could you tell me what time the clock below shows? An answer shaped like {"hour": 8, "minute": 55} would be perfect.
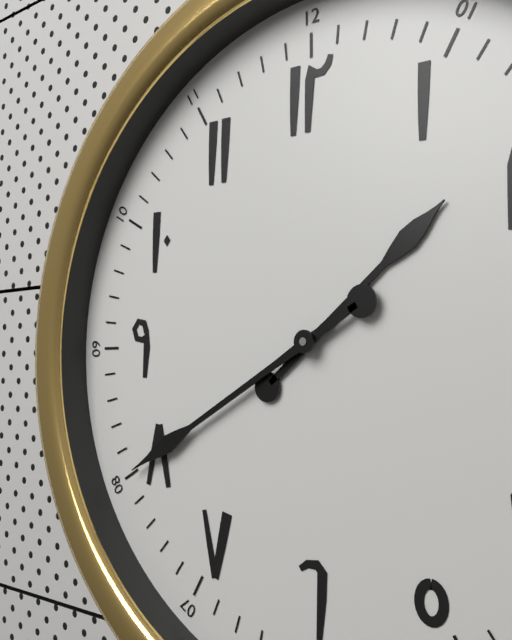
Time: {"hour": 1, "minute": 40}
